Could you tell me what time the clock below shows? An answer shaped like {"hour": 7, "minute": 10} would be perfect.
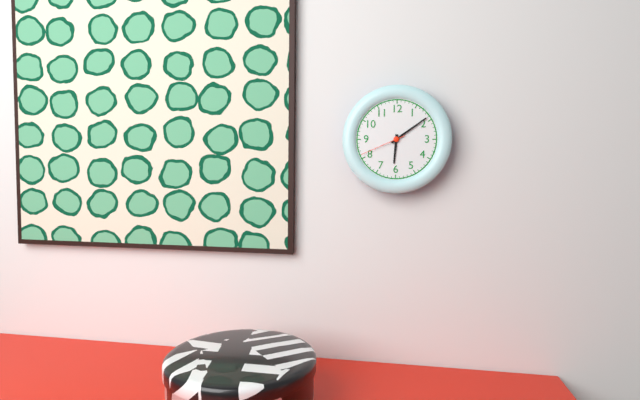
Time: {"hour": 6, "minute": 9}
